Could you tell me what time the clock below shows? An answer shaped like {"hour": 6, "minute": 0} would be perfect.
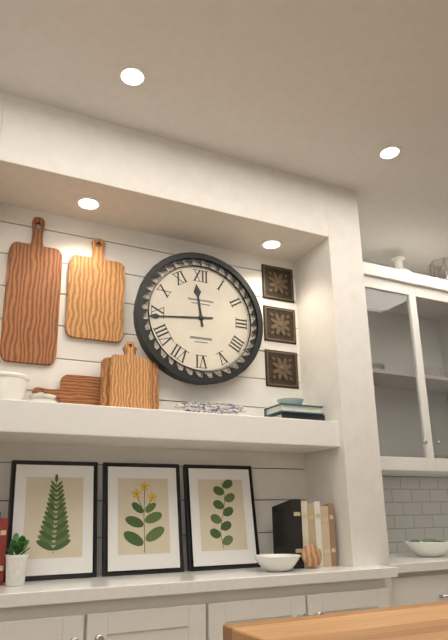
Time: {"hour": 11, "minute": 44}
